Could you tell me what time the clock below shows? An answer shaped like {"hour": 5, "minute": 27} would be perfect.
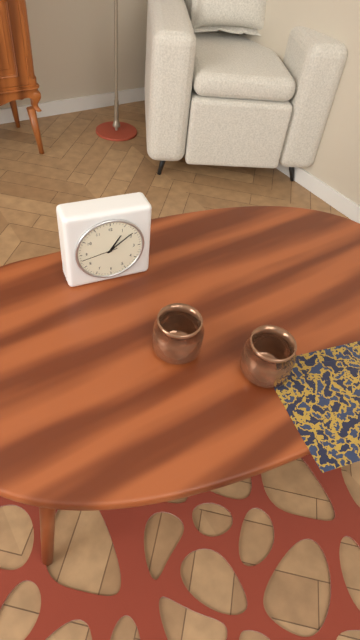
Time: {"hour": 1, "minute": 9}
